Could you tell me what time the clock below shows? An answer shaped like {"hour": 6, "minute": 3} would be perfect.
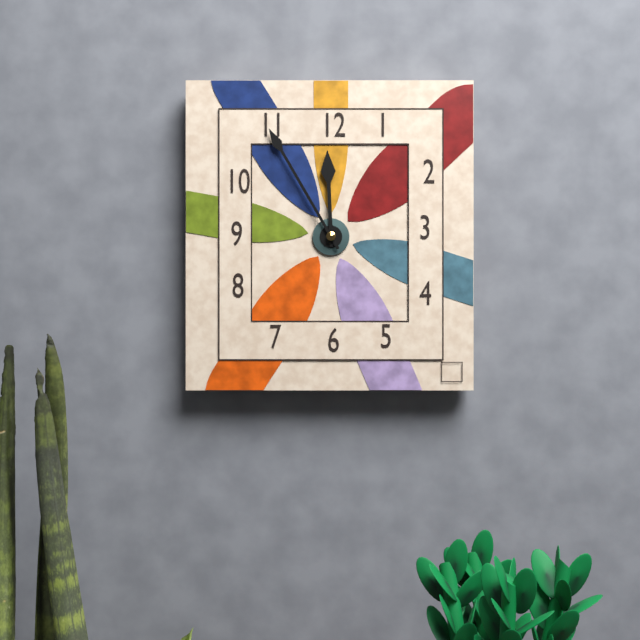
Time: {"hour": 11, "minute": 55}
